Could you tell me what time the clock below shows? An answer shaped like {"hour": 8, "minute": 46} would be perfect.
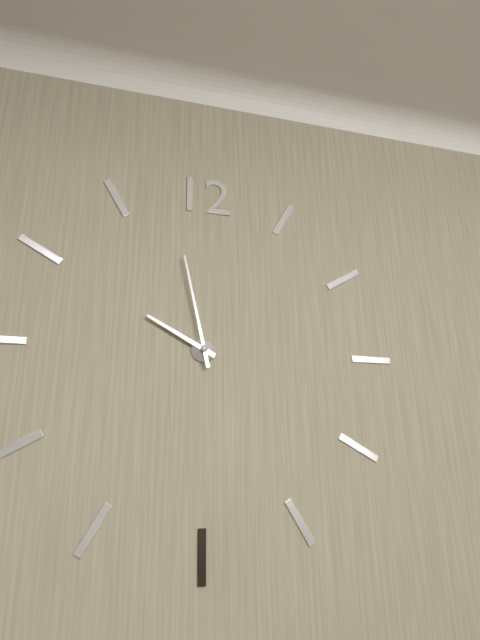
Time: {"hour": 9, "minute": 58}
